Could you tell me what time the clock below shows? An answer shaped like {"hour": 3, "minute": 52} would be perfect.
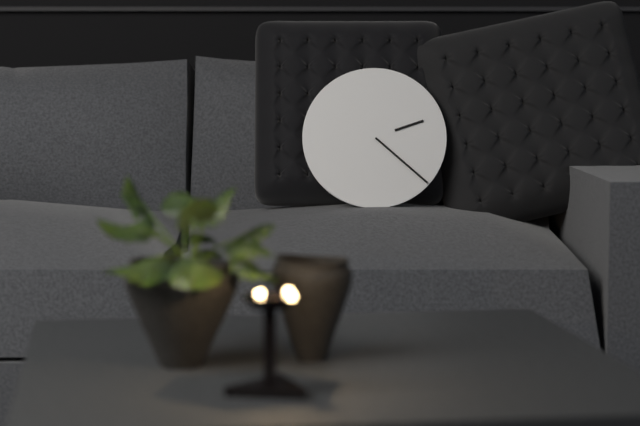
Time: {"hour": 2, "minute": 22}
